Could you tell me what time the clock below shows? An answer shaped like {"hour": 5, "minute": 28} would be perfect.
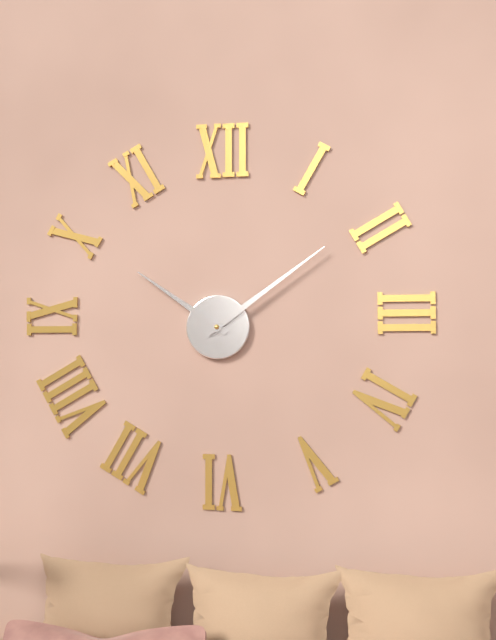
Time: {"hour": 10, "minute": 9}
